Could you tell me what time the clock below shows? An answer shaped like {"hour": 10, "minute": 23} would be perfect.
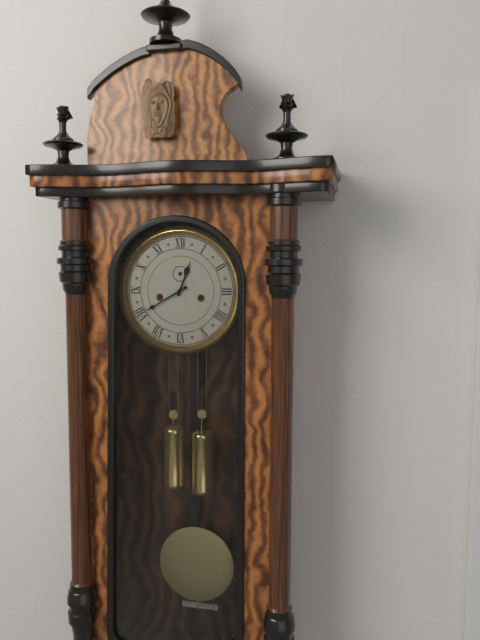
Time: {"hour": 12, "minute": 40}
